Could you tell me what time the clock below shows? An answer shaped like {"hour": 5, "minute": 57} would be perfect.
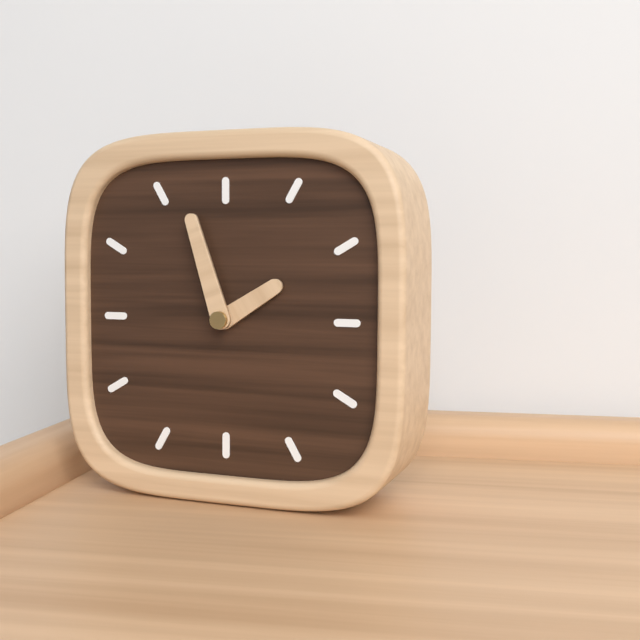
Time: {"hour": 1, "minute": 57}
